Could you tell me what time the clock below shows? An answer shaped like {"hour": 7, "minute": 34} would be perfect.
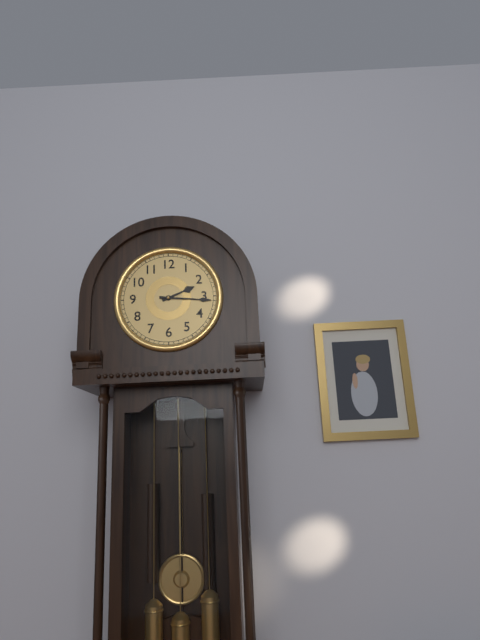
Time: {"hour": 2, "minute": 16}
